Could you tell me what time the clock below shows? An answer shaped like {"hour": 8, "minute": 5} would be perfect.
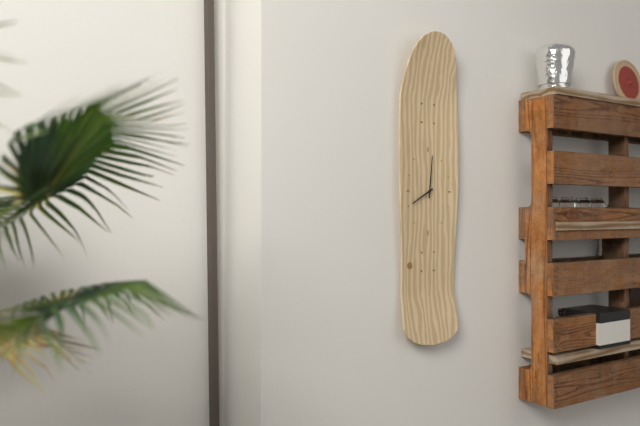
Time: {"hour": 8, "minute": 1}
